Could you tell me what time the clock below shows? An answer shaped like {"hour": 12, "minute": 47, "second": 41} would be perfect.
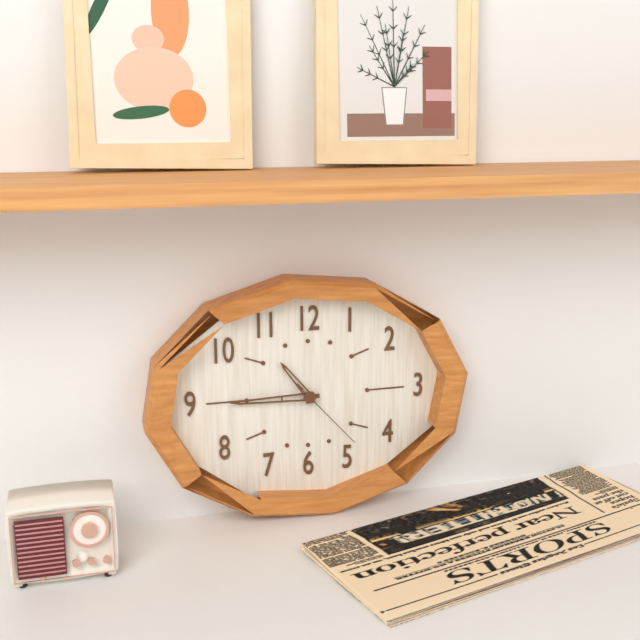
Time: {"hour": 10, "minute": 45, "second": 23}
